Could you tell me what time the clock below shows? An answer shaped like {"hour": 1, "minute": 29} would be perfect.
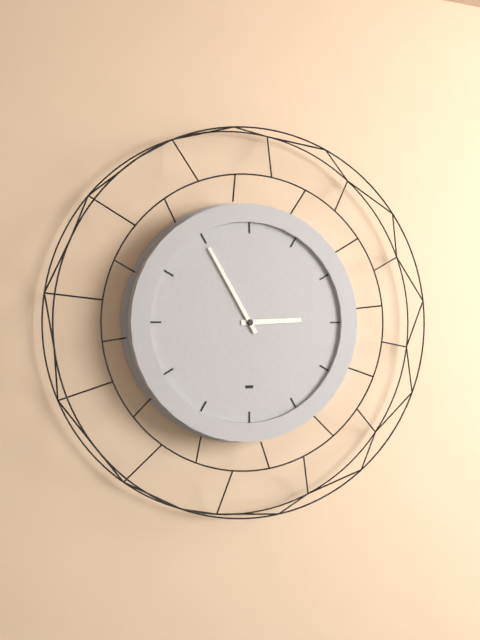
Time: {"hour": 2, "minute": 55}
